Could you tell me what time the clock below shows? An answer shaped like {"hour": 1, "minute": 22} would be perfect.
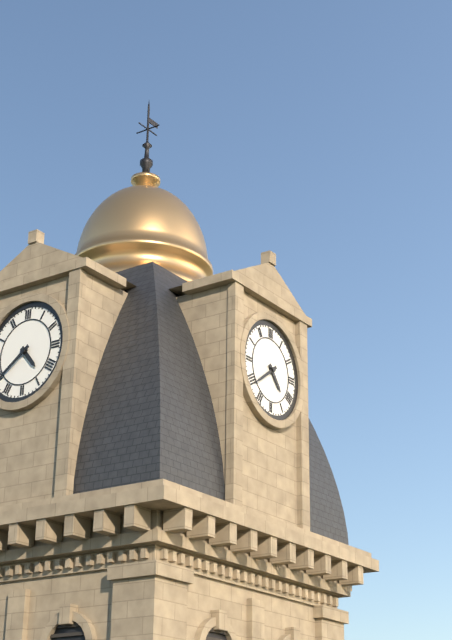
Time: {"hour": 4, "minute": 39}
